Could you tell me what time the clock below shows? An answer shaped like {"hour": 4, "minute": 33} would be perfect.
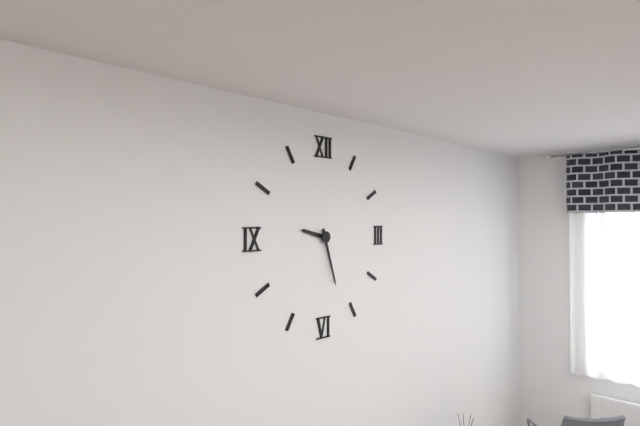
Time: {"hour": 9, "minute": 27}
